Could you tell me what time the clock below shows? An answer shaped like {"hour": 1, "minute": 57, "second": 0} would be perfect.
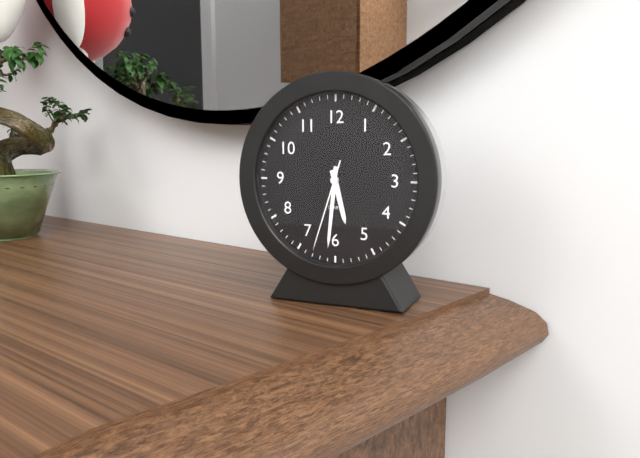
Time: {"hour": 5, "minute": 31, "second": 33}
